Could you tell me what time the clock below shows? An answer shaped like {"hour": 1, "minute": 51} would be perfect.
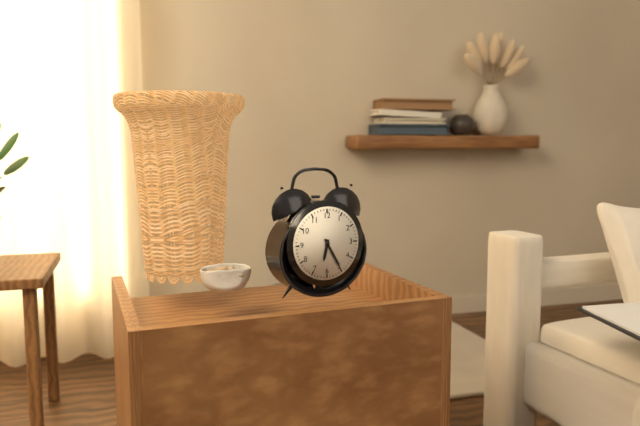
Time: {"hour": 6, "minute": 25}
